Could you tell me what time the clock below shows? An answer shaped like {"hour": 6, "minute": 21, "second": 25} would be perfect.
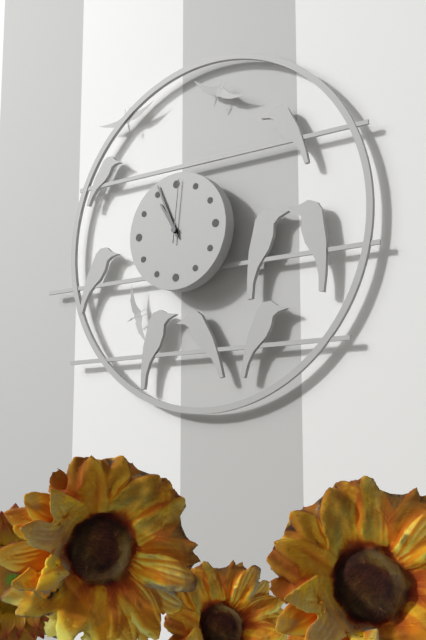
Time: {"hour": 10, "minute": 56, "second": 1}
